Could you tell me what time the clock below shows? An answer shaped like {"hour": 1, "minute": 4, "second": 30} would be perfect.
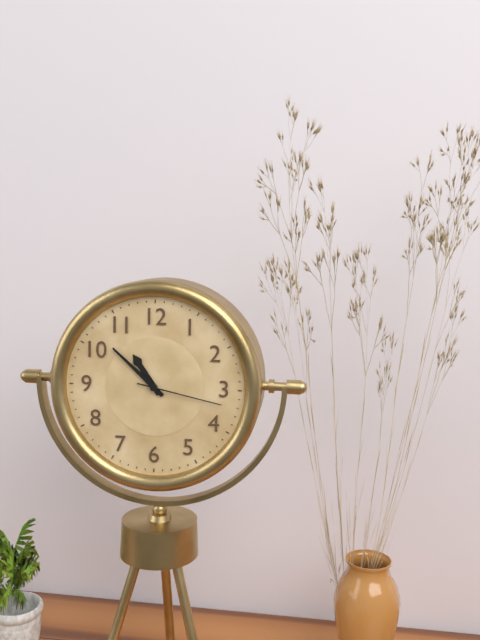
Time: {"hour": 10, "minute": 52, "second": 17}
